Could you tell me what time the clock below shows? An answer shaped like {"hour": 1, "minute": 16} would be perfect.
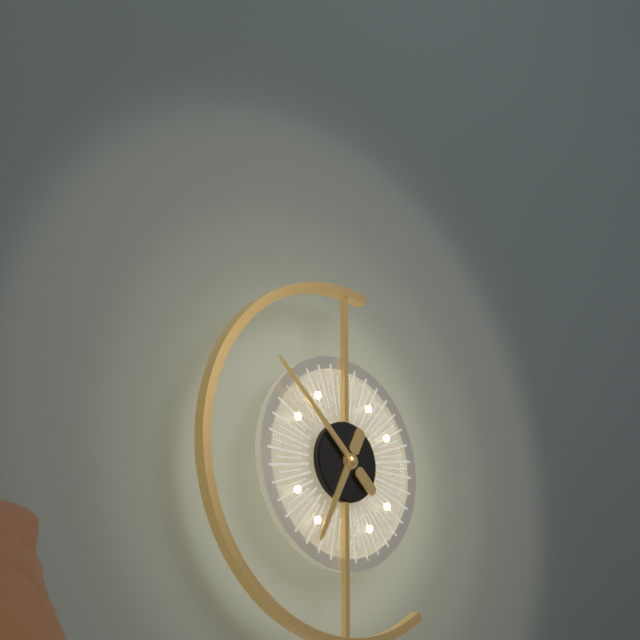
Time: {"hour": 6, "minute": 52}
